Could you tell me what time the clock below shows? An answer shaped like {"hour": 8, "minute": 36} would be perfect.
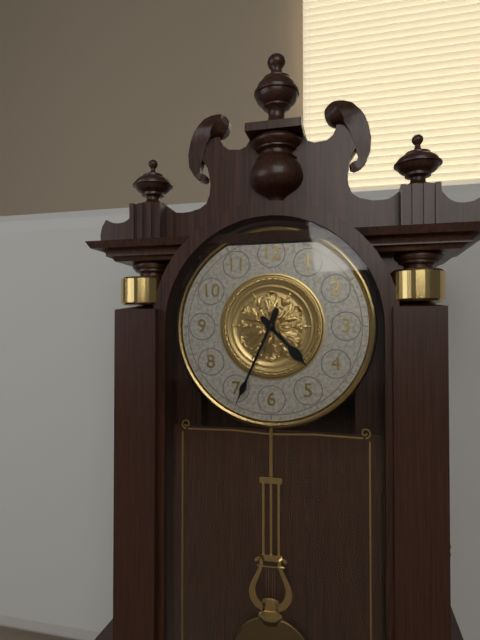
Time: {"hour": 4, "minute": 34}
